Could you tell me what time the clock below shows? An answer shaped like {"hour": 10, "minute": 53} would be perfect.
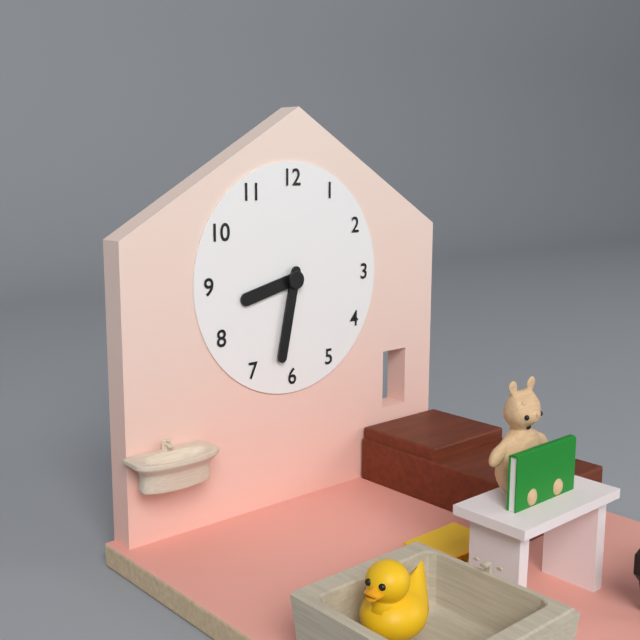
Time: {"hour": 8, "minute": 32}
